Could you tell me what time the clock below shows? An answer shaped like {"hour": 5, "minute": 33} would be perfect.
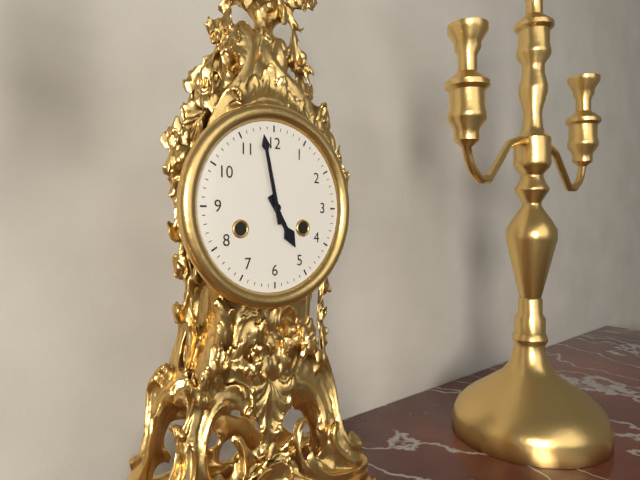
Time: {"hour": 4, "minute": 58}
